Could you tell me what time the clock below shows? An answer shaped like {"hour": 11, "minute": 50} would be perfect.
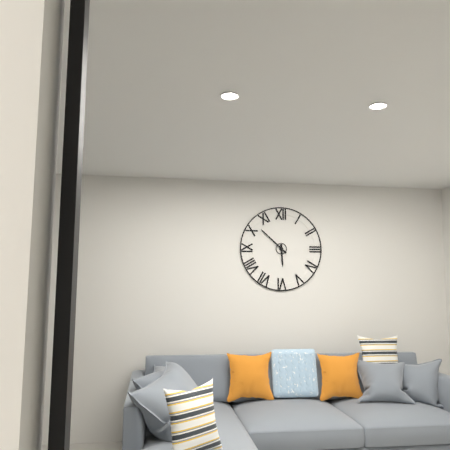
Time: {"hour": 5, "minute": 52}
